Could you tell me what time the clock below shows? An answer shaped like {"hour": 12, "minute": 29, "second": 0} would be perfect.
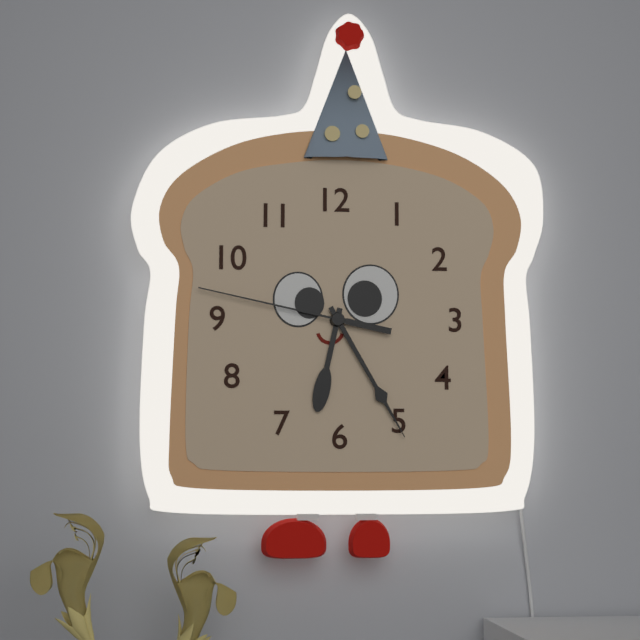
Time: {"hour": 6, "minute": 25, "second": 47}
